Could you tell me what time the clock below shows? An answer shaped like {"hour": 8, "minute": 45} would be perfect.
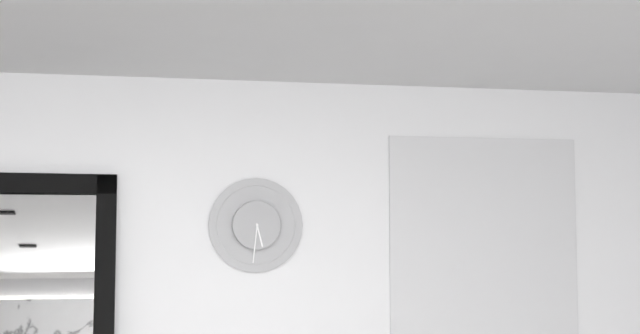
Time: {"hour": 5, "minute": 31}
